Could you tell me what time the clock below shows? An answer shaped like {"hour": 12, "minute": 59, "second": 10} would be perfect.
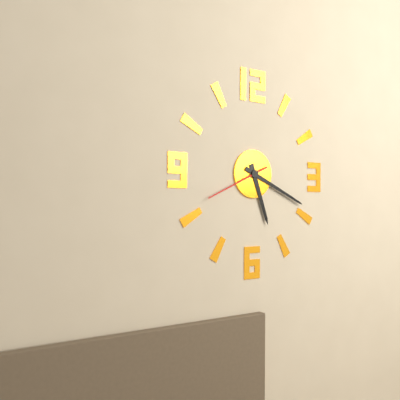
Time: {"hour": 5, "minute": 19, "second": 41}
